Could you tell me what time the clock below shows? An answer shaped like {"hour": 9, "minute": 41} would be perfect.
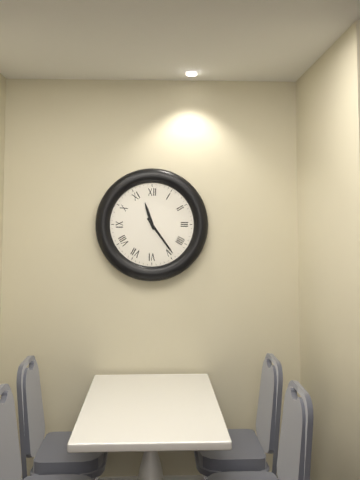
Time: {"hour": 11, "minute": 24}
